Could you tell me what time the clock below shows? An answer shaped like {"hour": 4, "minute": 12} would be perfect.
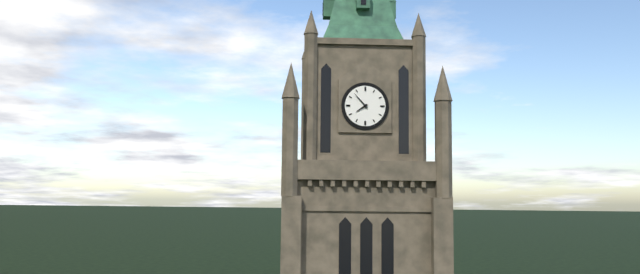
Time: {"hour": 7, "minute": 53}
